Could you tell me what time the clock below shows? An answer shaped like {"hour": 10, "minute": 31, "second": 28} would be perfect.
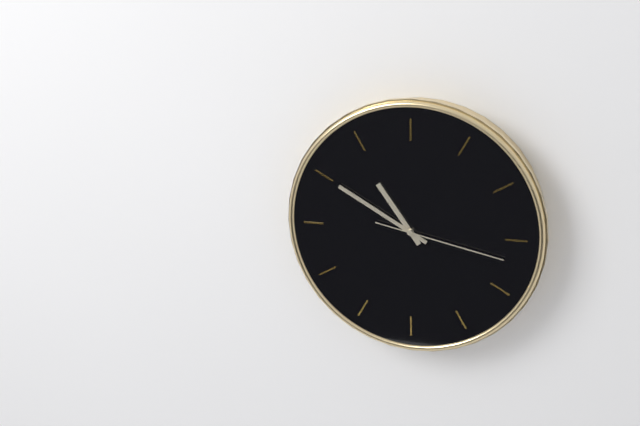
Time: {"hour": 10, "minute": 50, "second": 17}
